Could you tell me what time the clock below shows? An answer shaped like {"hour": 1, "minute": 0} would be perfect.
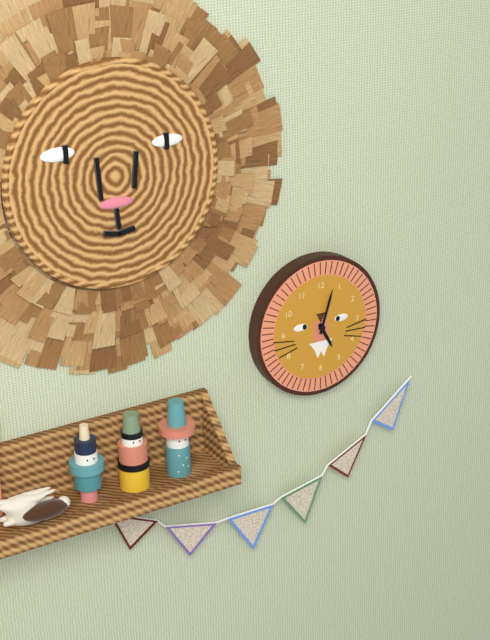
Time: {"hour": 5, "minute": 3}
